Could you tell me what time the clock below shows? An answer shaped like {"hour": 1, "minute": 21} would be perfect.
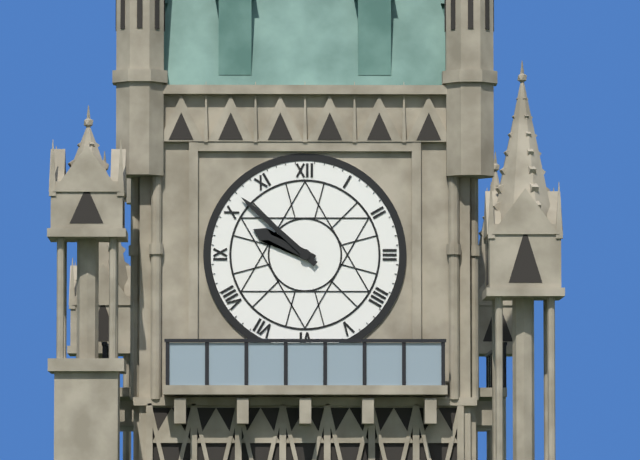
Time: {"hour": 9, "minute": 52}
